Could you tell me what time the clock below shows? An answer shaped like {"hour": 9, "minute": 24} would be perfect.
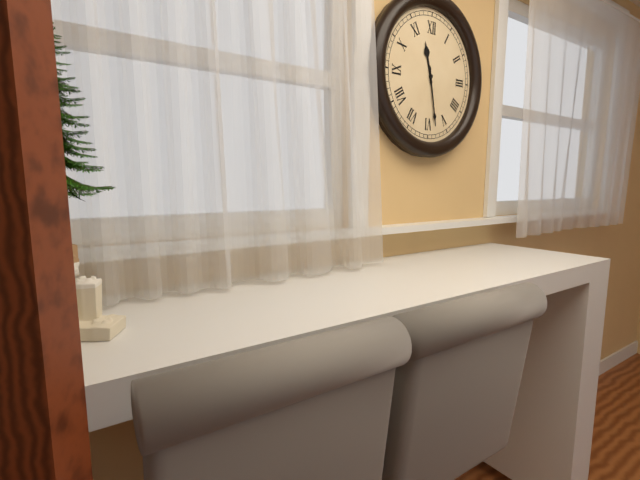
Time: {"hour": 11, "minute": 28}
